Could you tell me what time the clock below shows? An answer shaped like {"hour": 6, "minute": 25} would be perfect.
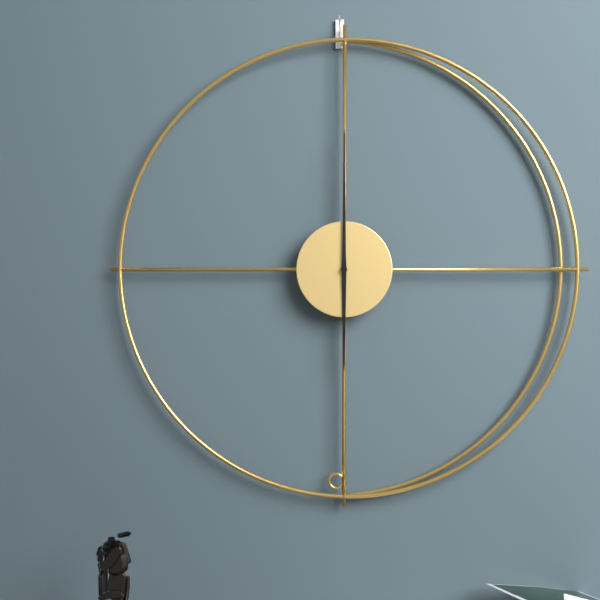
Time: {"hour": 6, "minute": 0}
